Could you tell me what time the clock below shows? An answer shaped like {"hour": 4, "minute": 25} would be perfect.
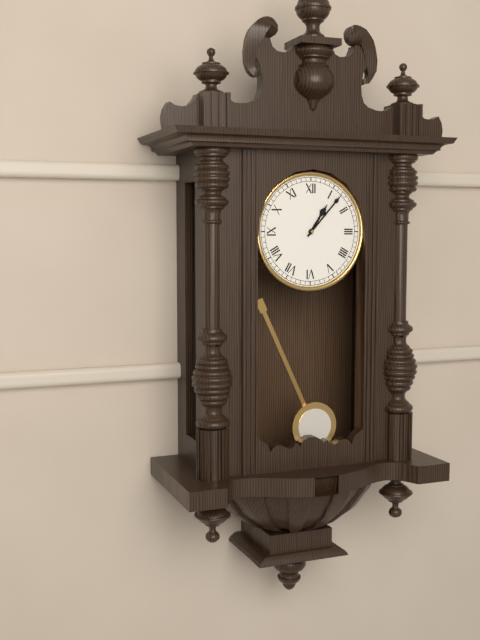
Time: {"hour": 1, "minute": 7}
